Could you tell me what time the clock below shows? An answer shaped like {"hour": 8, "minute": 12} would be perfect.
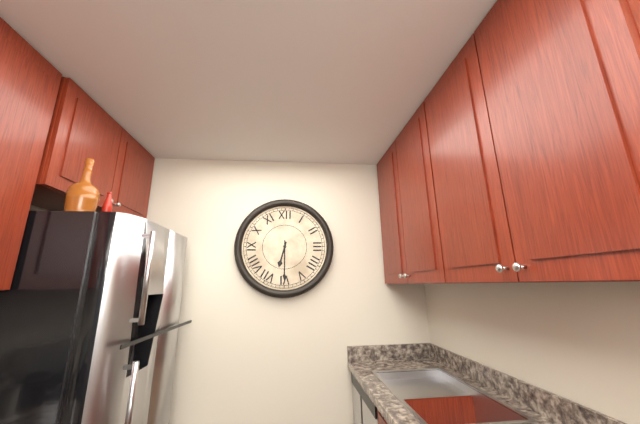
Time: {"hour": 6, "minute": 30}
